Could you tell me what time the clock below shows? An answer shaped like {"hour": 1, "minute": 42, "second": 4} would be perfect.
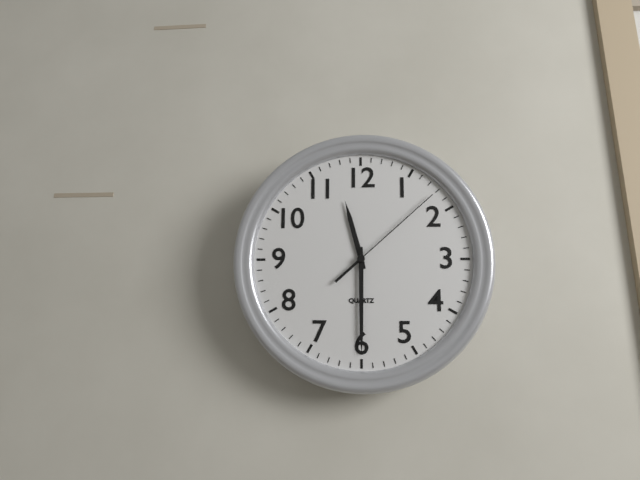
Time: {"hour": 11, "minute": 30, "second": 8}
